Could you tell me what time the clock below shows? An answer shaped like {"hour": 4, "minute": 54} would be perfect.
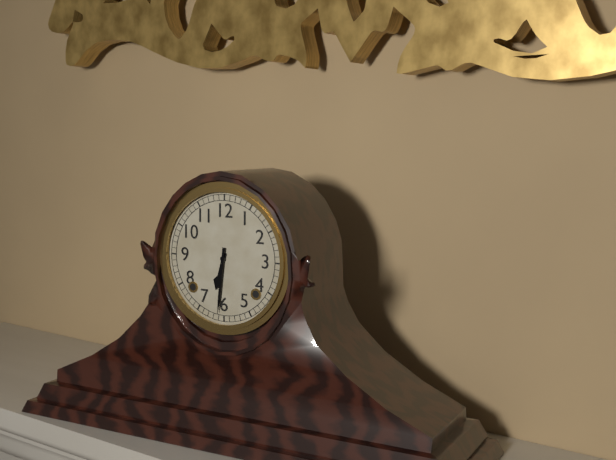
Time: {"hour": 6, "minute": 31}
